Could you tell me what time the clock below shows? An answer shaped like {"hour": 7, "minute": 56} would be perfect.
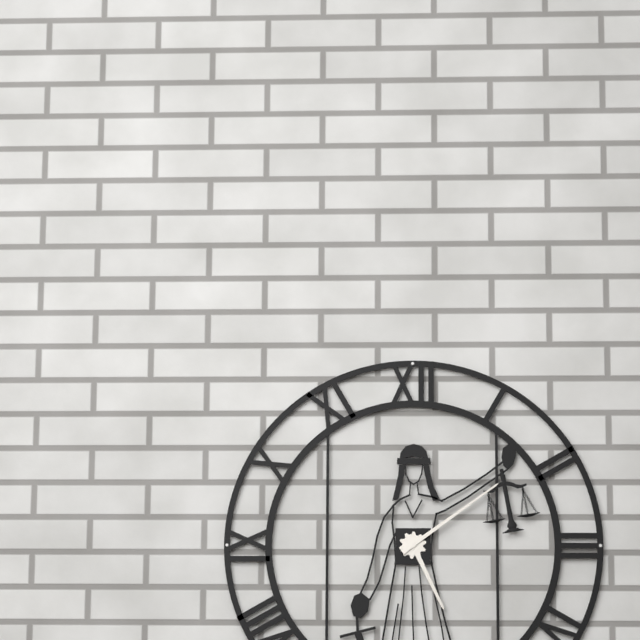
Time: {"hour": 5, "minute": 9}
